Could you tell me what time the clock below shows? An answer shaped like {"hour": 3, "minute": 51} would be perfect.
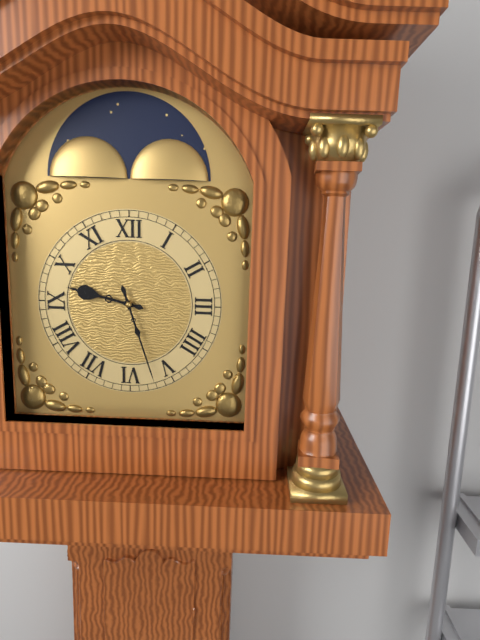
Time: {"hour": 9, "minute": 27}
